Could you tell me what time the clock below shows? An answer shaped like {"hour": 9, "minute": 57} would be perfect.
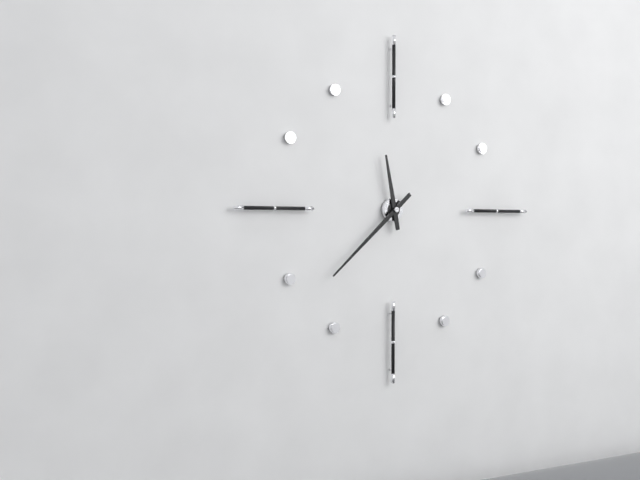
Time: {"hour": 11, "minute": 38}
